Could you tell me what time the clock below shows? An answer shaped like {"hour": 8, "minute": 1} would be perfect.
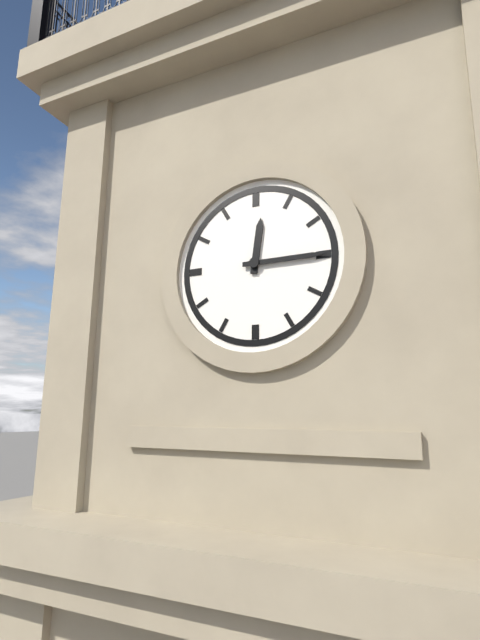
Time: {"hour": 12, "minute": 15}
